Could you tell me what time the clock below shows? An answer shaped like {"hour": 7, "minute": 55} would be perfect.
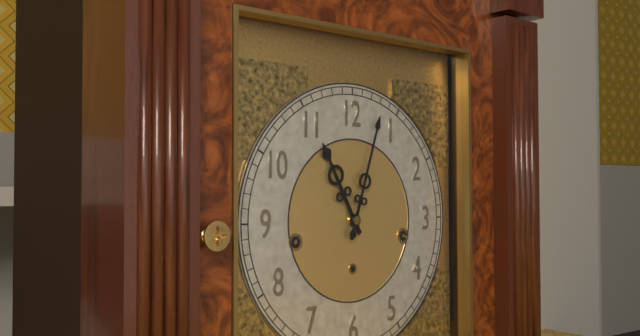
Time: {"hour": 11, "minute": 3}
